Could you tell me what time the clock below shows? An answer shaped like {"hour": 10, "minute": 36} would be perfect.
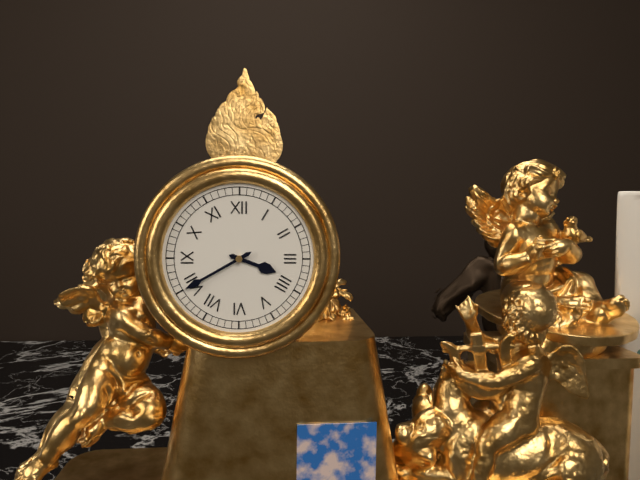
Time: {"hour": 3, "minute": 40}
